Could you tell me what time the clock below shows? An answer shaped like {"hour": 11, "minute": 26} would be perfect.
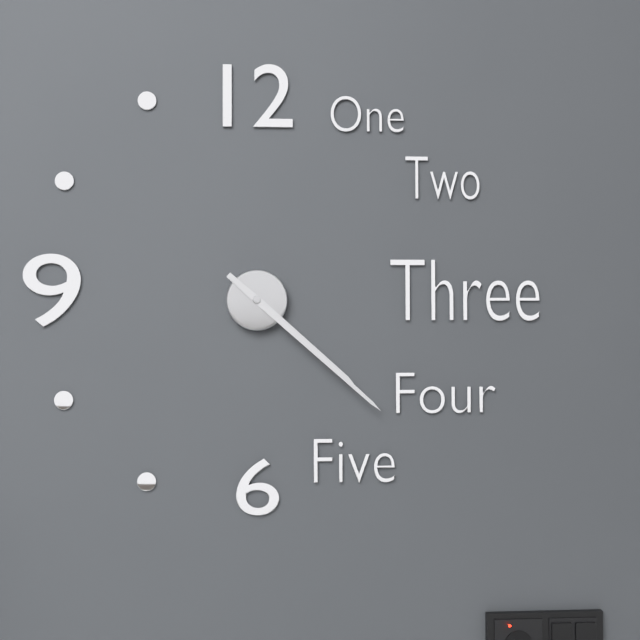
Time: {"hour": 4, "minute": 22}
